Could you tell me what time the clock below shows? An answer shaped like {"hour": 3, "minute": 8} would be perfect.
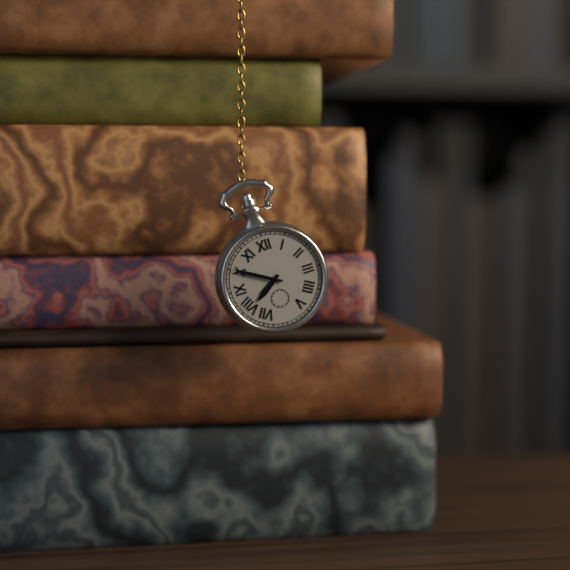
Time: {"hour": 7, "minute": 50}
